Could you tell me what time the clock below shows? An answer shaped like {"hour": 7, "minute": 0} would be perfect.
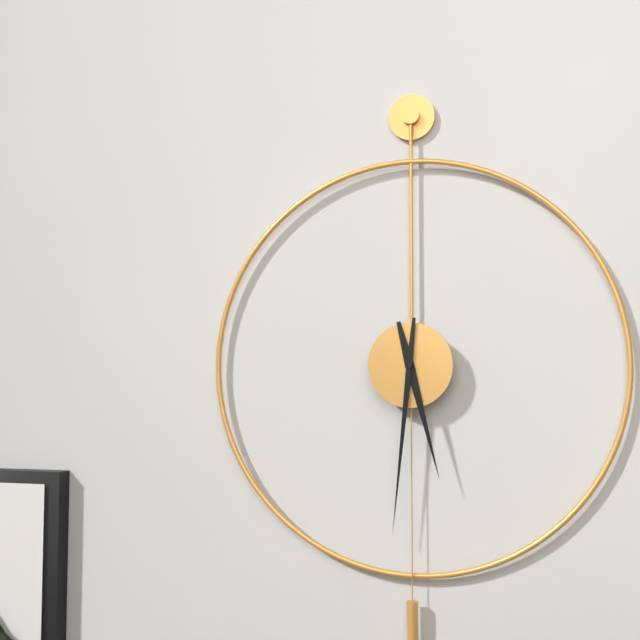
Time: {"hour": 5, "minute": 31}
